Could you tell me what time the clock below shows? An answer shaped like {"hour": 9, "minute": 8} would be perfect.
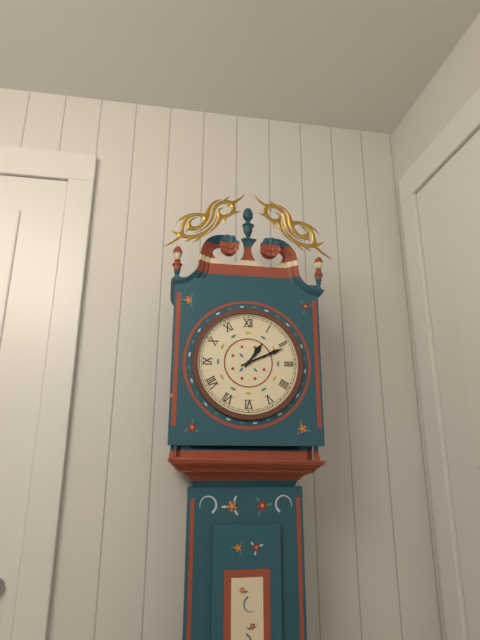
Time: {"hour": 1, "minute": 11}
